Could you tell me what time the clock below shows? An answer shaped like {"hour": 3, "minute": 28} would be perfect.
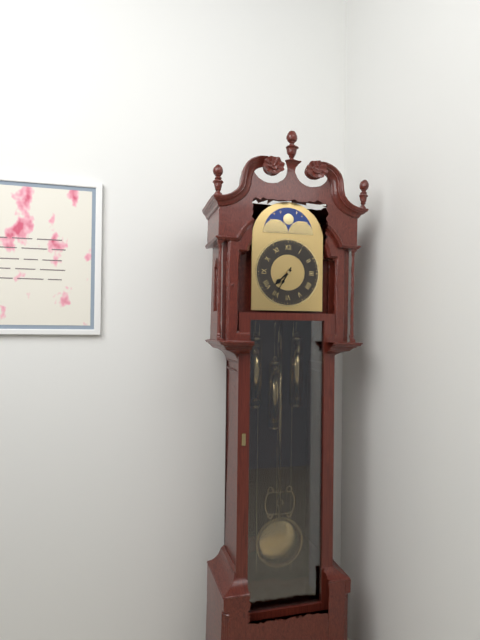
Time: {"hour": 7, "minute": 35}
